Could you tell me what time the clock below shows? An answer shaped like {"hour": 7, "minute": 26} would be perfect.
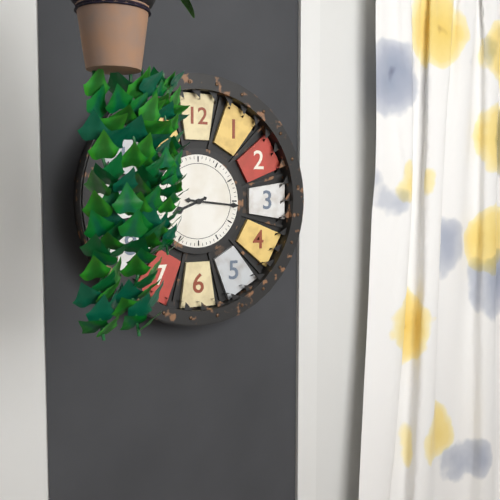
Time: {"hour": 8, "minute": 16}
